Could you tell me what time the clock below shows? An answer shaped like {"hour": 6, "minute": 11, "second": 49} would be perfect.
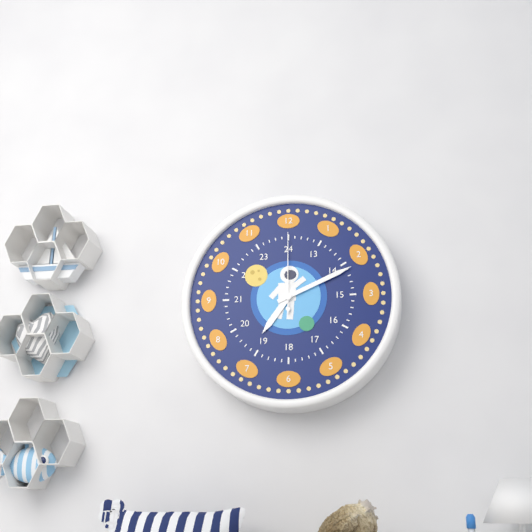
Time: {"hour": 7, "minute": 11, "second": 0}
